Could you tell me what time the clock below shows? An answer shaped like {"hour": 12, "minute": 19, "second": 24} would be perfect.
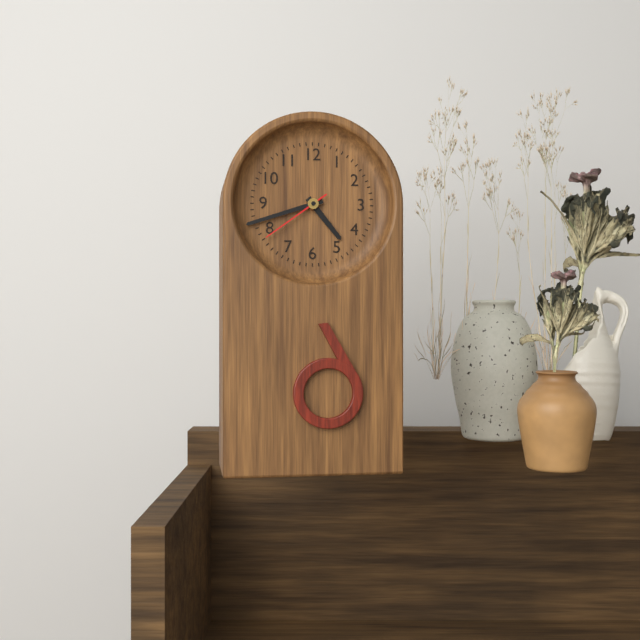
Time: {"hour": 4, "minute": 42, "second": 39}
